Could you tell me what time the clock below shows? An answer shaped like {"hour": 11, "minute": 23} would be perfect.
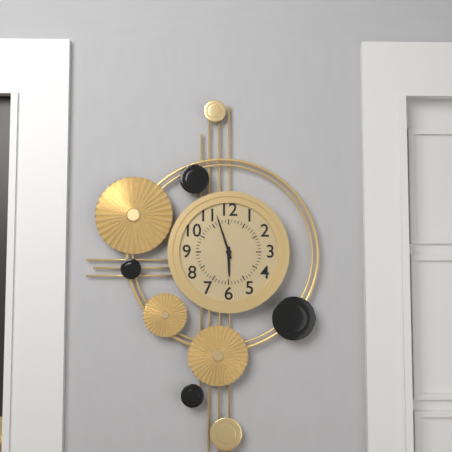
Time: {"hour": 5, "minute": 57}
